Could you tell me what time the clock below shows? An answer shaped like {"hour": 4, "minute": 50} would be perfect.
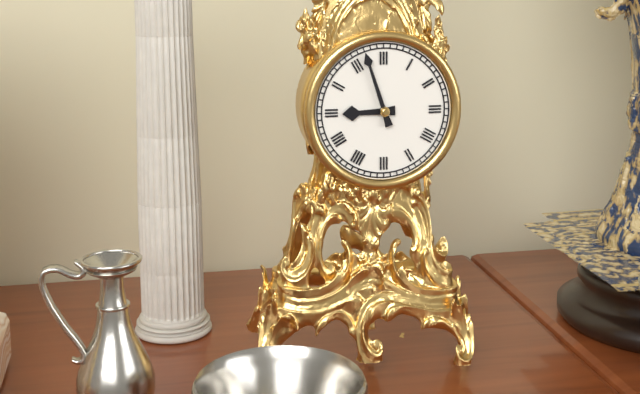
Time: {"hour": 8, "minute": 57}
